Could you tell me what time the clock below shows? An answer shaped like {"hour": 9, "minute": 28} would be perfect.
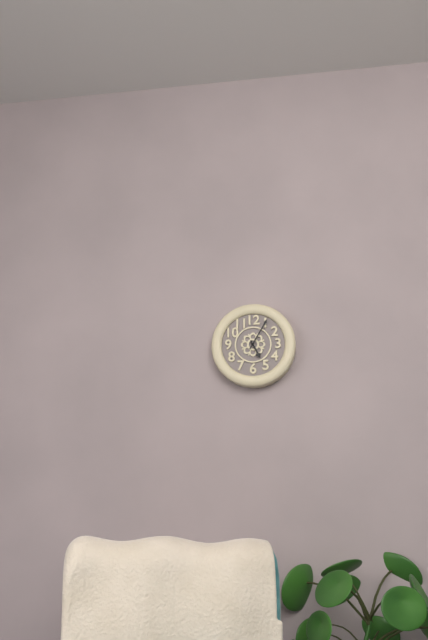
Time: {"hour": 5, "minute": 5}
